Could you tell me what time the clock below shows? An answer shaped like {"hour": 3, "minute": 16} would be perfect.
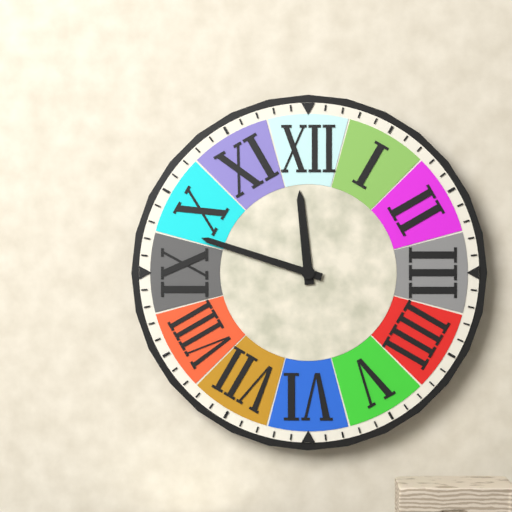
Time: {"hour": 11, "minute": 48}
